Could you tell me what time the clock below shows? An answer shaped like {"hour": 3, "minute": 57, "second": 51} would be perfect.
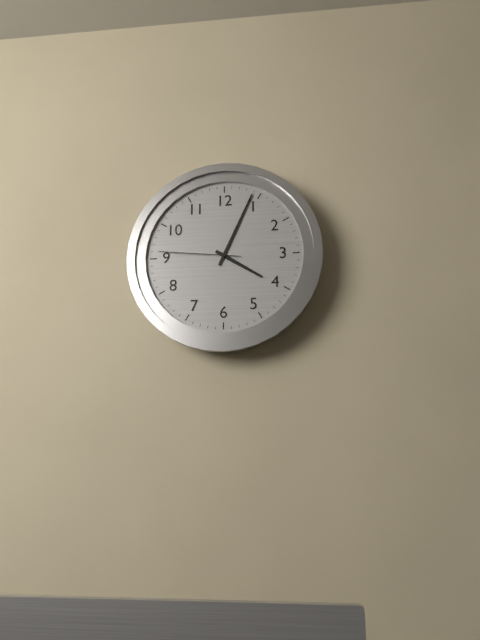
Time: {"hour": 4, "minute": 4, "second": 46}
